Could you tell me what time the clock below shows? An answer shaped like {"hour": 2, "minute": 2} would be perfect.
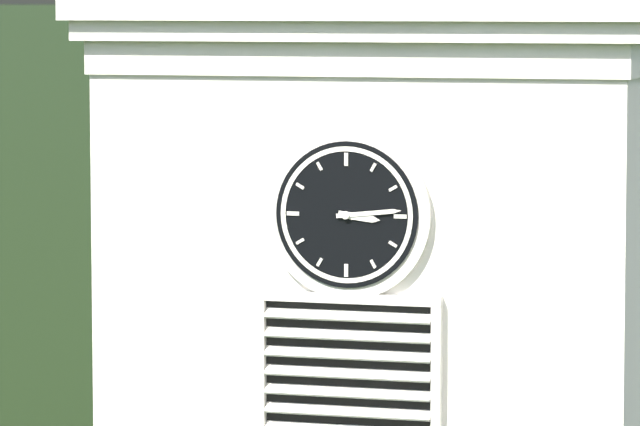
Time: {"hour": 3, "minute": 14}
